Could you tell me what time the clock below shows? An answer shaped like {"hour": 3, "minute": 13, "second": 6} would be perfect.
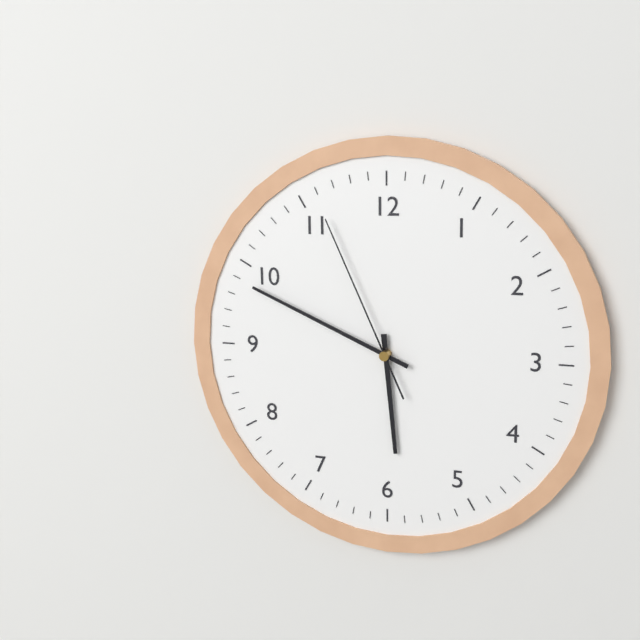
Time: {"hour": 5, "minute": 49, "second": 56}
